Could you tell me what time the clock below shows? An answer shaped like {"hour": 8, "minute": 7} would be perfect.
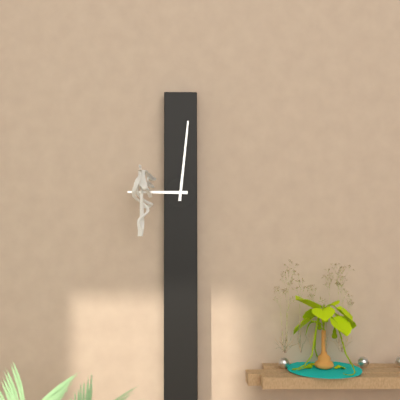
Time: {"hour": 9, "minute": 1}
